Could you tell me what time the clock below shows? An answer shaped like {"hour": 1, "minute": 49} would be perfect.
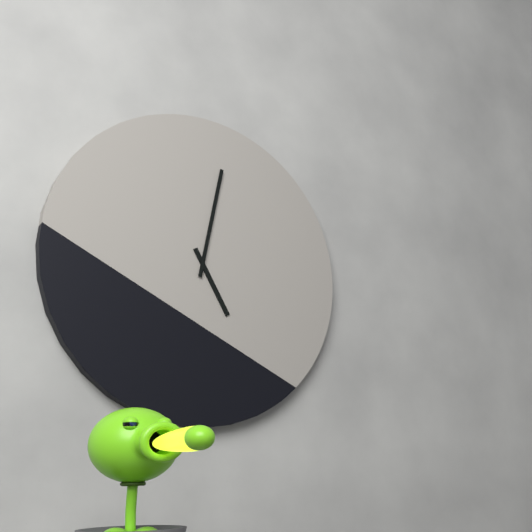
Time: {"hour": 5, "minute": 2}
